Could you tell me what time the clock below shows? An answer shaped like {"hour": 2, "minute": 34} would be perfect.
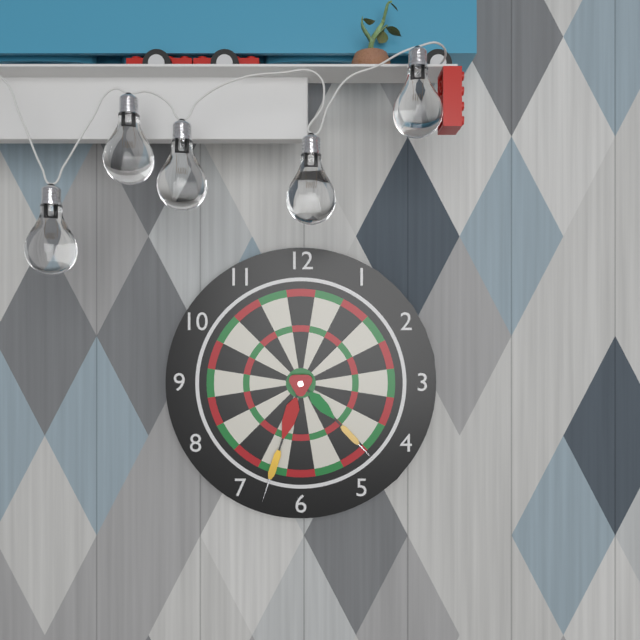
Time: {"hour": 4, "minute": 33}
